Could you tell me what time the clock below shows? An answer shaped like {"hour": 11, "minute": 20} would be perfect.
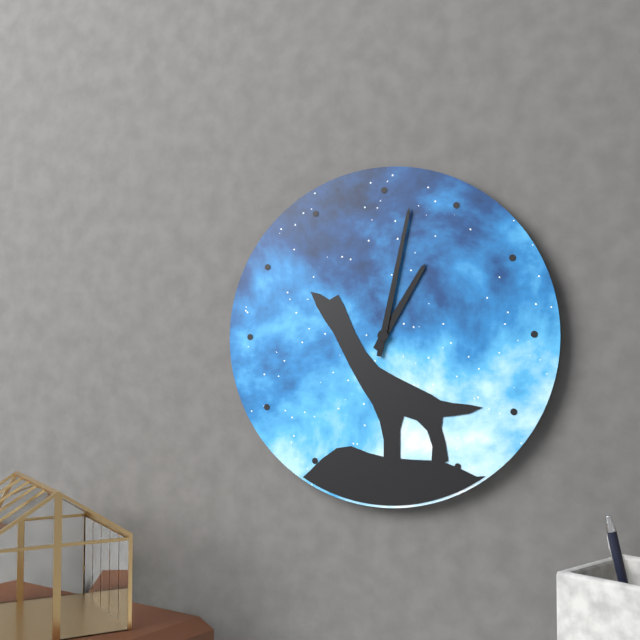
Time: {"hour": 1, "minute": 2}
